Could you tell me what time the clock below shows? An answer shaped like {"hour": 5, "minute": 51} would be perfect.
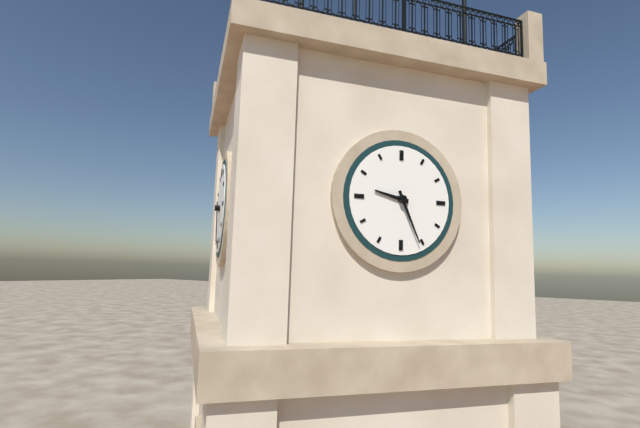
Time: {"hour": 9, "minute": 26}
